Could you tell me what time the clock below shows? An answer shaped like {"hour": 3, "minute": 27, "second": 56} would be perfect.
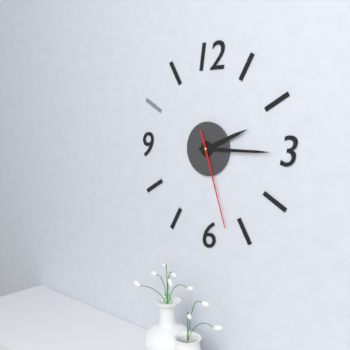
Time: {"hour": 2, "minute": 15, "second": 27}
